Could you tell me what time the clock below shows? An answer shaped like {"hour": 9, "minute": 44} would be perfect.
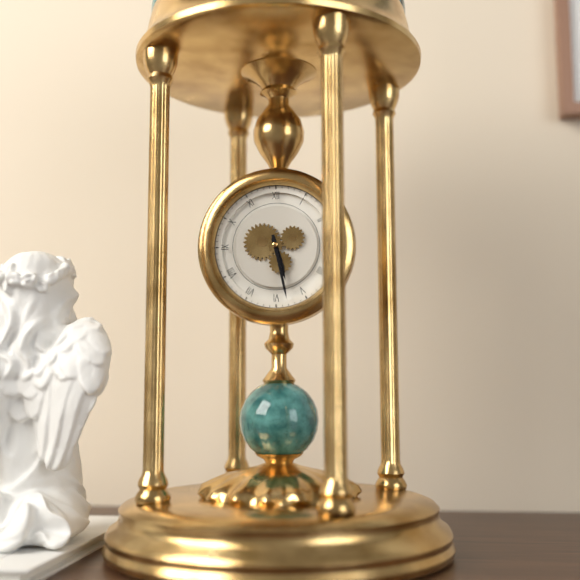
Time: {"hour": 5, "minute": 28}
